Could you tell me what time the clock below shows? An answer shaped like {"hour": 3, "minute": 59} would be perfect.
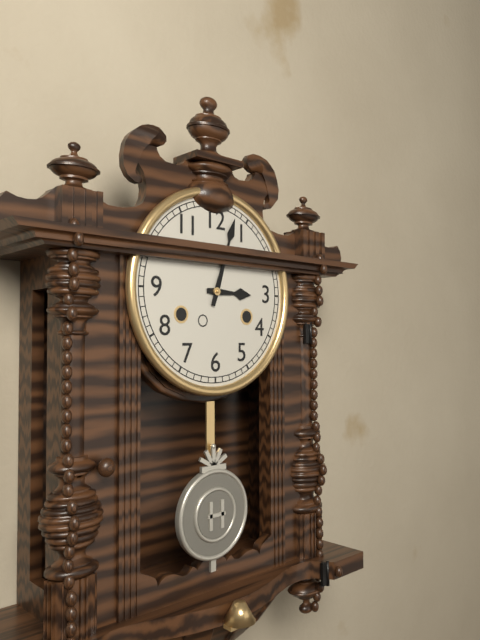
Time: {"hour": 3, "minute": 3}
